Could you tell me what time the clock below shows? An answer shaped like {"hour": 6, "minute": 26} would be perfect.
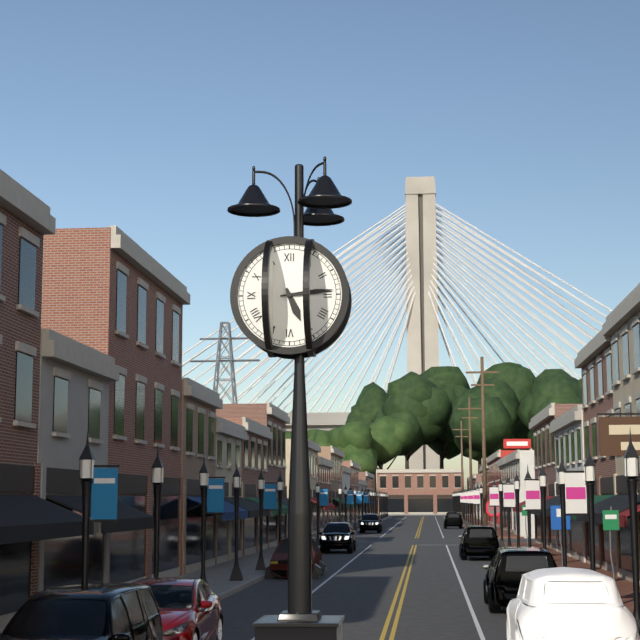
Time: {"hour": 5, "minute": 14}
